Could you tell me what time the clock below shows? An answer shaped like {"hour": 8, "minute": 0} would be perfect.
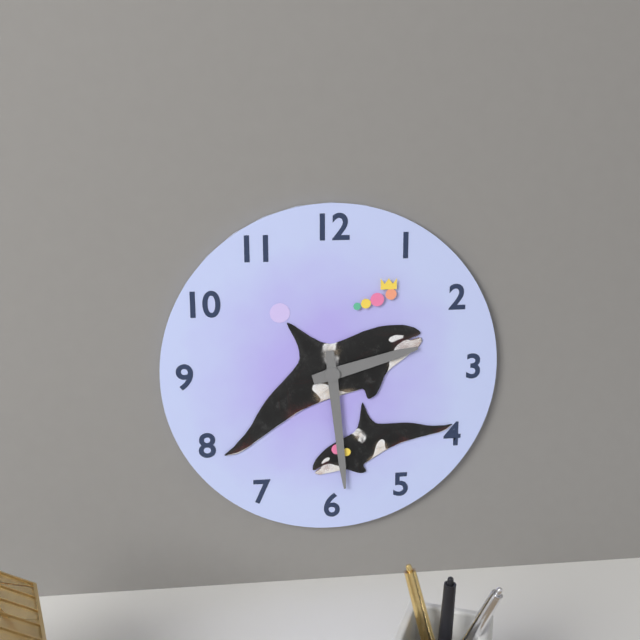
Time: {"hour": 2, "minute": 29}
